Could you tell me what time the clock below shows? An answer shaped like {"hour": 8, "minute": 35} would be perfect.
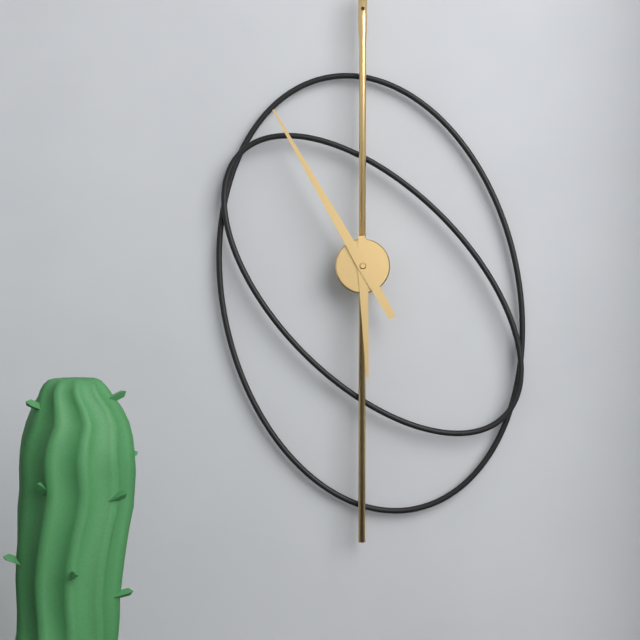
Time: {"hour": 5, "minute": 55}
